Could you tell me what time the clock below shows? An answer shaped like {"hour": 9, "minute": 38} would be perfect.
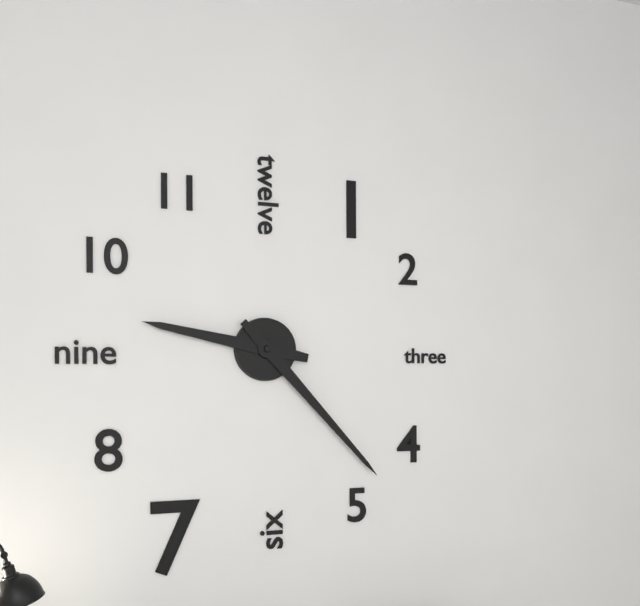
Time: {"hour": 9, "minute": 23}
